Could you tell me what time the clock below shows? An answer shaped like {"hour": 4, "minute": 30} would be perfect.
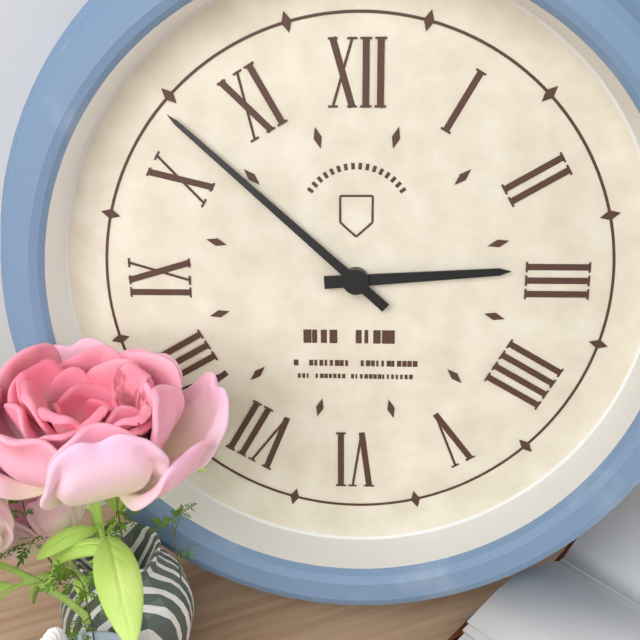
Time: {"hour": 2, "minute": 52}
